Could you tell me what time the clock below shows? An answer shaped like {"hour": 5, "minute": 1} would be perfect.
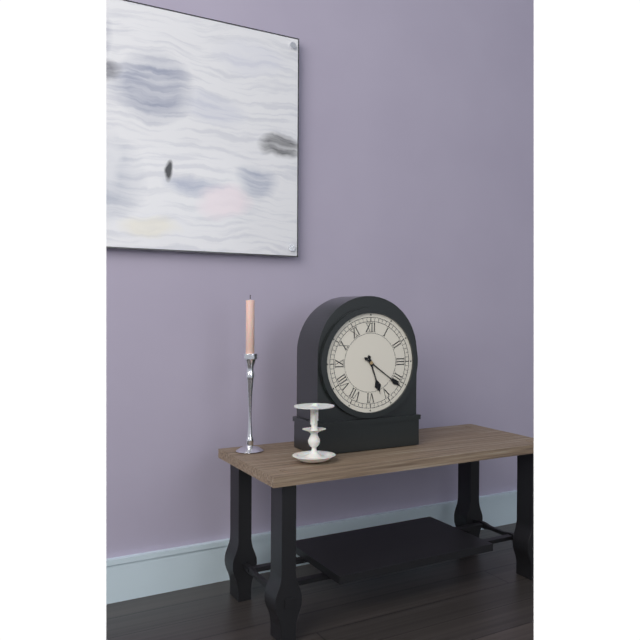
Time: {"hour": 5, "minute": 21}
